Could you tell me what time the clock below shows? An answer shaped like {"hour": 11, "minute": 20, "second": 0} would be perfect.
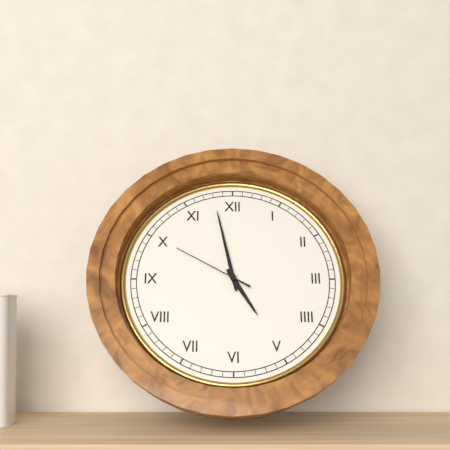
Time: {"hour": 4, "minute": 58, "second": 50}
